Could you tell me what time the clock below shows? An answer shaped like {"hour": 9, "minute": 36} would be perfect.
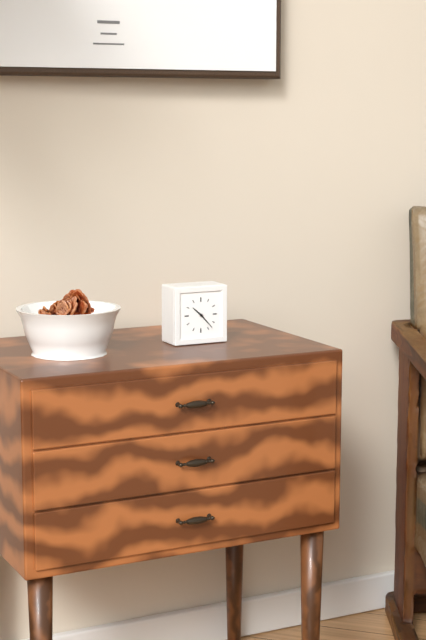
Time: {"hour": 10, "minute": 23}
